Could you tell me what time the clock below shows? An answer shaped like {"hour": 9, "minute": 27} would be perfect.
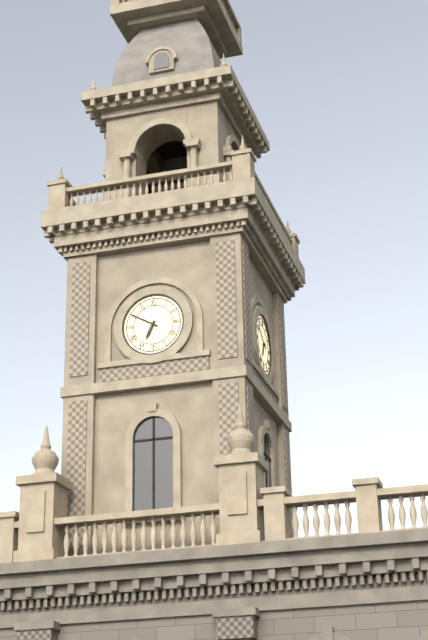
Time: {"hour": 6, "minute": 50}
